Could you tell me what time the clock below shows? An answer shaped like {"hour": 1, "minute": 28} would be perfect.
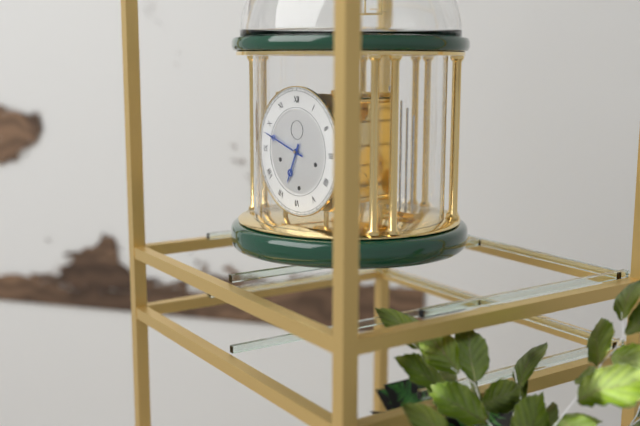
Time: {"hour": 6, "minute": 48}
